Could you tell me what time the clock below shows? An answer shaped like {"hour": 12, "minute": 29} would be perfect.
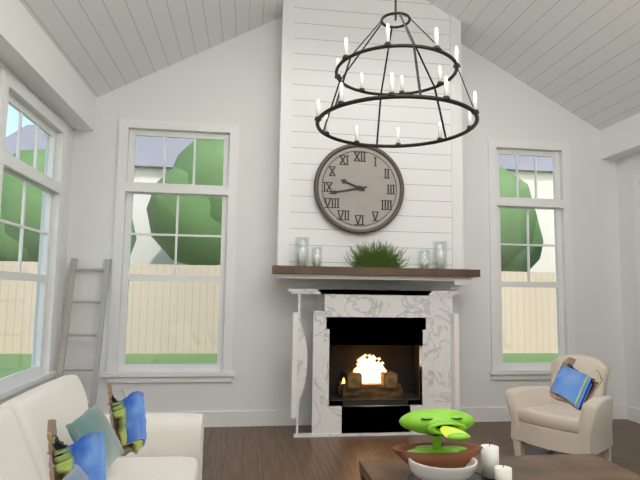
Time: {"hour": 9, "minute": 43}
